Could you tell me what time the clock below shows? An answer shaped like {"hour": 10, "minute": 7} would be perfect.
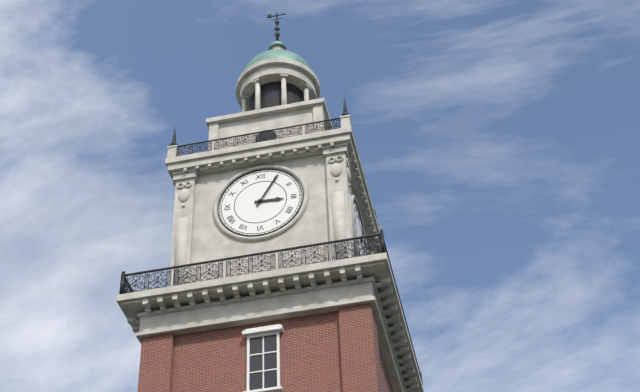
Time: {"hour": 3, "minute": 5}
